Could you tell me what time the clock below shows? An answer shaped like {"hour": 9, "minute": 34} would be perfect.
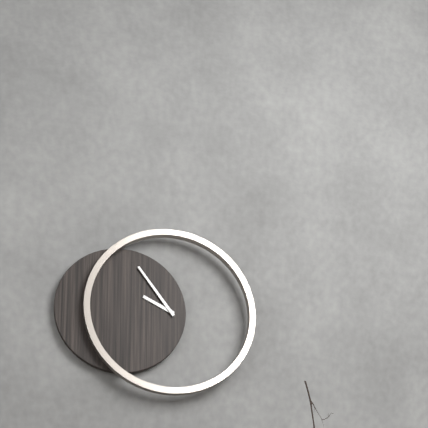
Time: {"hour": 9, "minute": 54}
